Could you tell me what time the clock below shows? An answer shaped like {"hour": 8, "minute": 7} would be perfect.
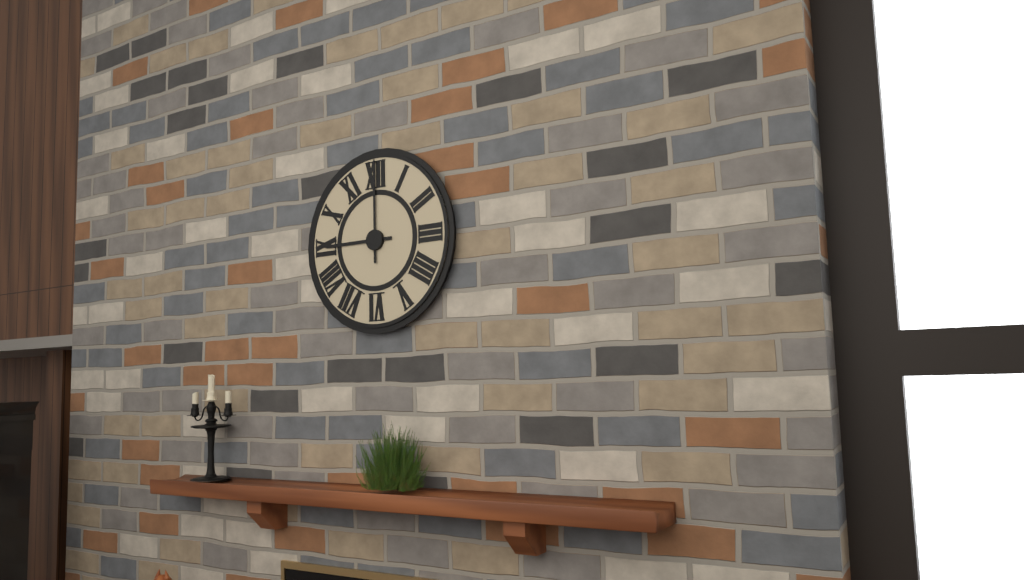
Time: {"hour": 9, "minute": 0}
